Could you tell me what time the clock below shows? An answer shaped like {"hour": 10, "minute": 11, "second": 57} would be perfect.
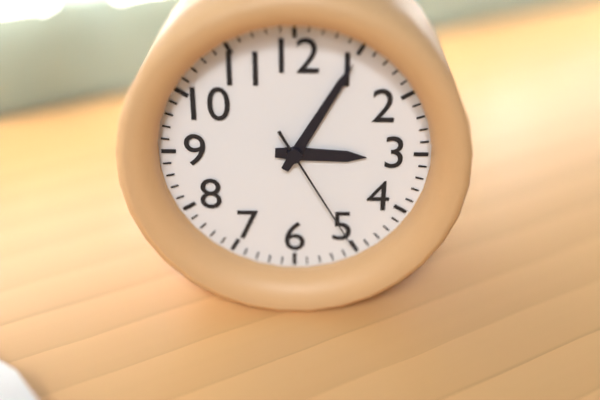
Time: {"hour": 3, "minute": 5, "second": 25}
